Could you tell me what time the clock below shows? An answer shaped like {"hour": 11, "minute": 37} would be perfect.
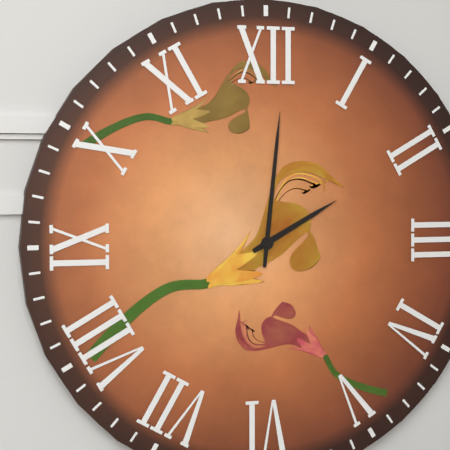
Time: {"hour": 2, "minute": 1}
